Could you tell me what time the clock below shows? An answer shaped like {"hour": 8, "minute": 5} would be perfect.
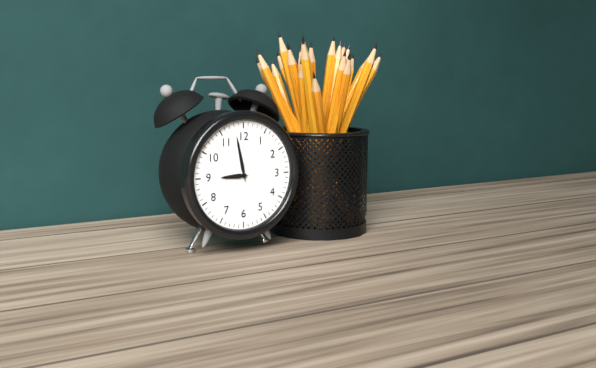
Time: {"hour": 8, "minute": 58}
